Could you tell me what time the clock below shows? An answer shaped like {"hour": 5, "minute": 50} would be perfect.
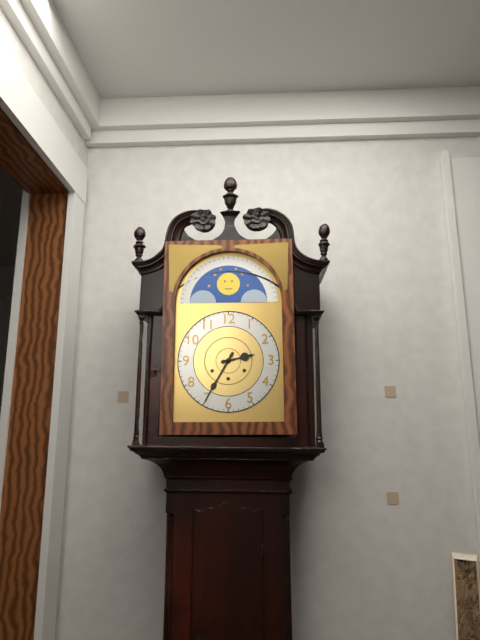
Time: {"hour": 2, "minute": 35}
